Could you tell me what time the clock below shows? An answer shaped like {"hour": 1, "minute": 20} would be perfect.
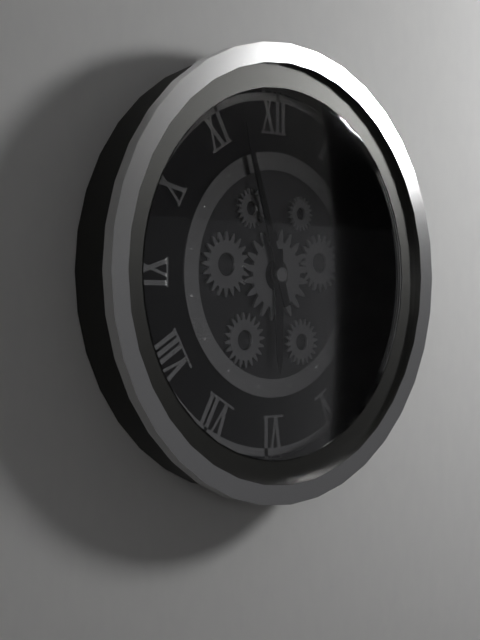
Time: {"hour": 5, "minute": 57}
